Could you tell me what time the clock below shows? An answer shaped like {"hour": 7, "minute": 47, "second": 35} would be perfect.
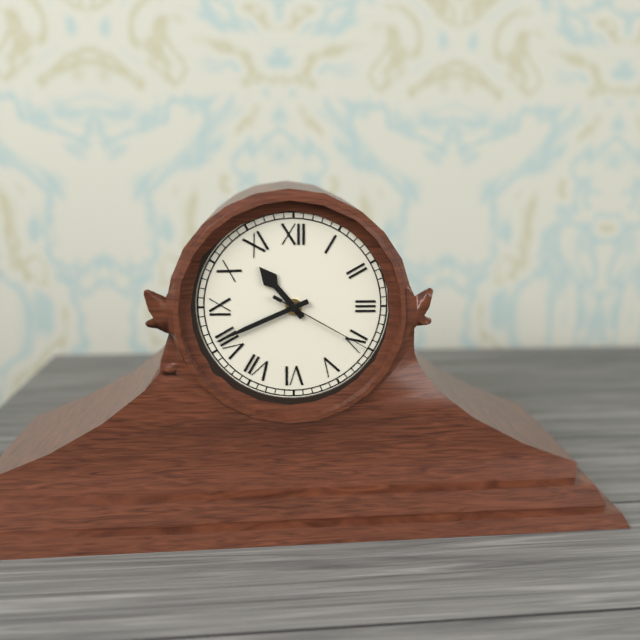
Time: {"hour": 10, "minute": 41, "second": 20}
